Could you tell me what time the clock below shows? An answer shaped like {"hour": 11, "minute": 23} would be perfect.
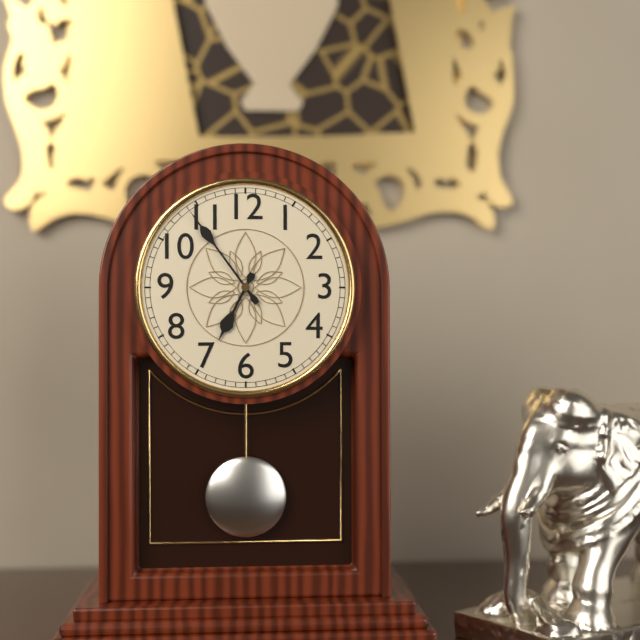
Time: {"hour": 6, "minute": 54}
